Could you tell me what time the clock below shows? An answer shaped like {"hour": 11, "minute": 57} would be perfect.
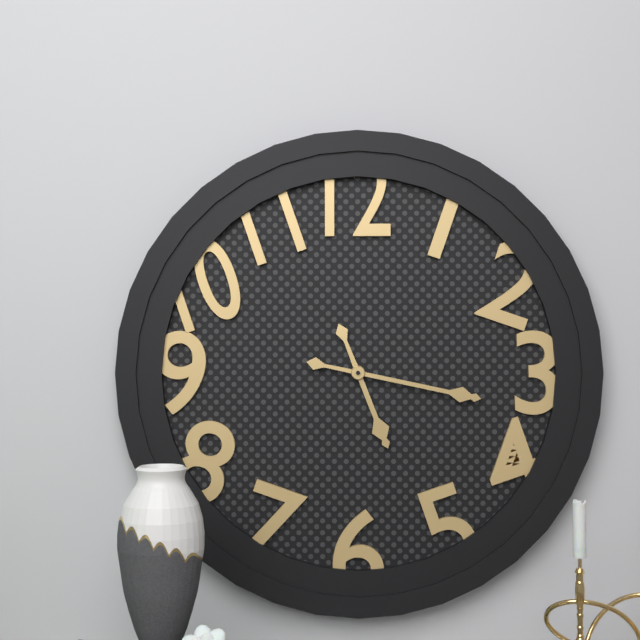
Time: {"hour": 5, "minute": 17}
